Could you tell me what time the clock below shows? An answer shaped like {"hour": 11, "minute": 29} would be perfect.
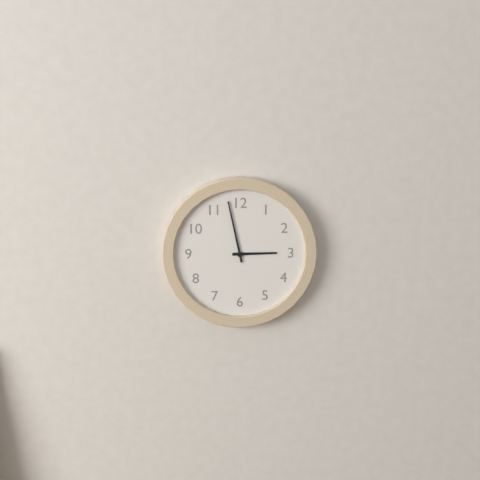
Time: {"hour": 2, "minute": 58}
